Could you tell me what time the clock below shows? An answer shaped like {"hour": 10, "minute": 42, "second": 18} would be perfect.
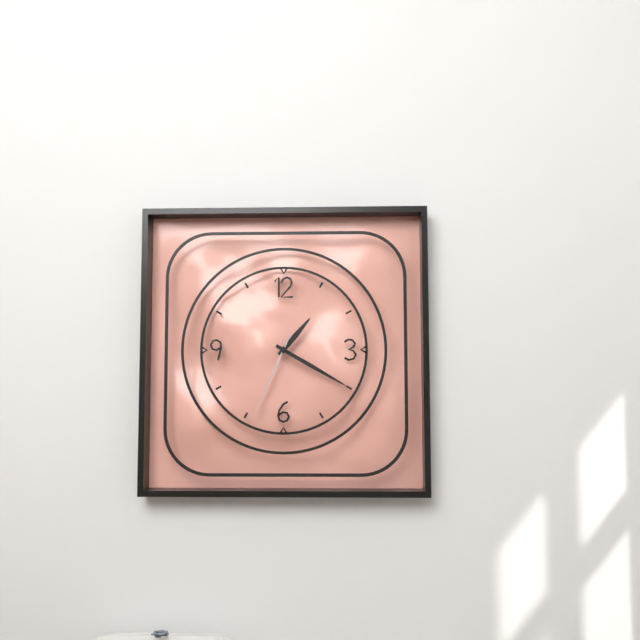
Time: {"hour": 1, "minute": 20, "second": 34}
